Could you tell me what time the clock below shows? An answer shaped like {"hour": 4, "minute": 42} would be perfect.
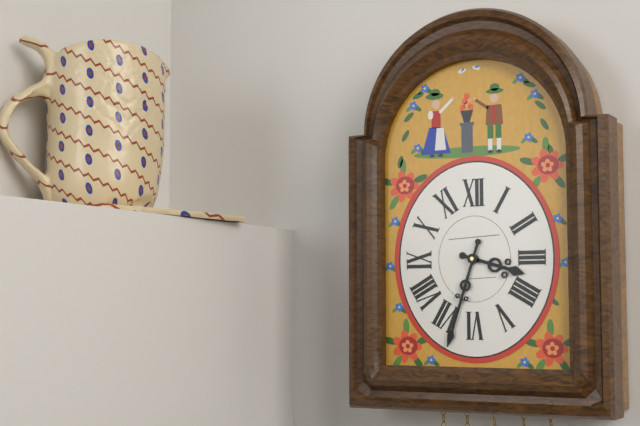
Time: {"hour": 3, "minute": 33}
